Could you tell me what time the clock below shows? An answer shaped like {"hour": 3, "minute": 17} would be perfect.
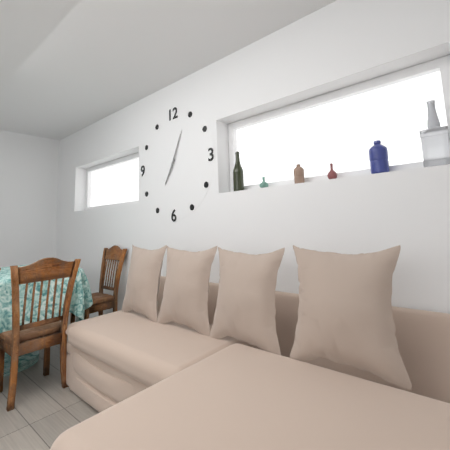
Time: {"hour": 7, "minute": 4}
